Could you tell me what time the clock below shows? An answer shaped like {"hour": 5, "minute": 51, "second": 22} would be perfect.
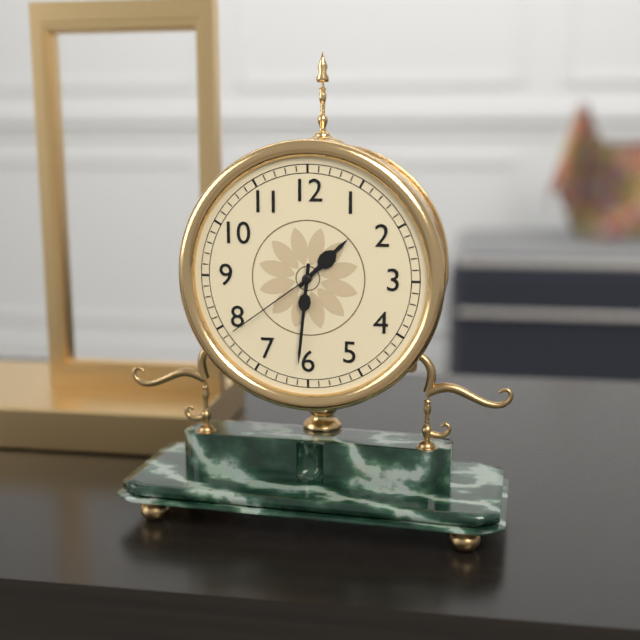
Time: {"hour": 1, "minute": 31, "second": 39}
